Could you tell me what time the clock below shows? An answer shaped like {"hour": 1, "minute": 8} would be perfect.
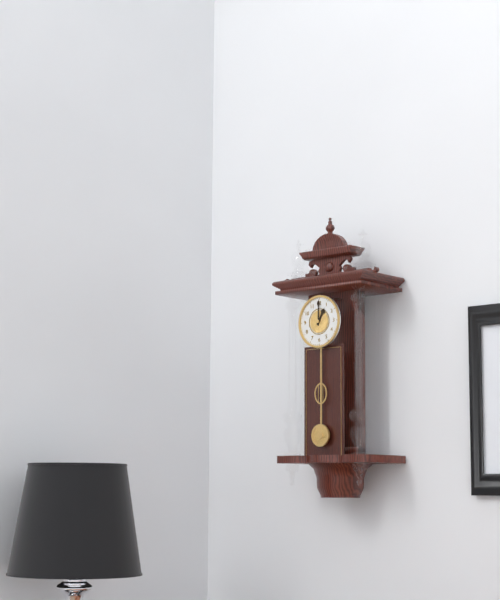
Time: {"hour": 1, "minute": 0}
